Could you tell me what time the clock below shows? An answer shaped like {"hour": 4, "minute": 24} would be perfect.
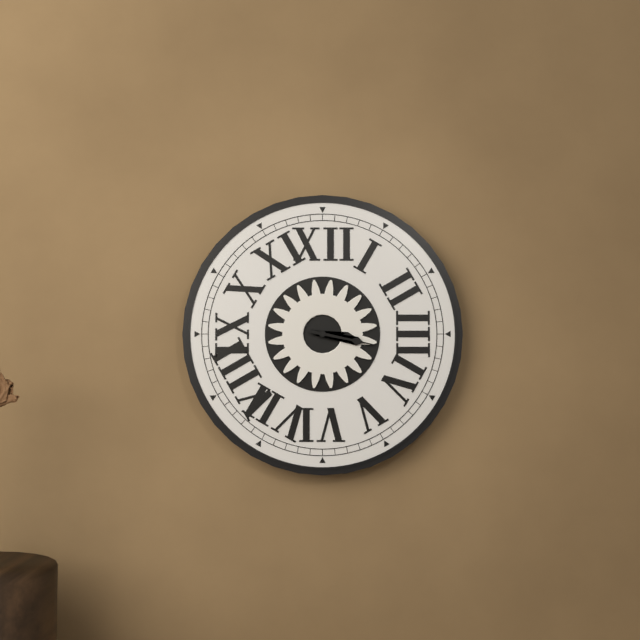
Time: {"hour": 3, "minute": 17}
